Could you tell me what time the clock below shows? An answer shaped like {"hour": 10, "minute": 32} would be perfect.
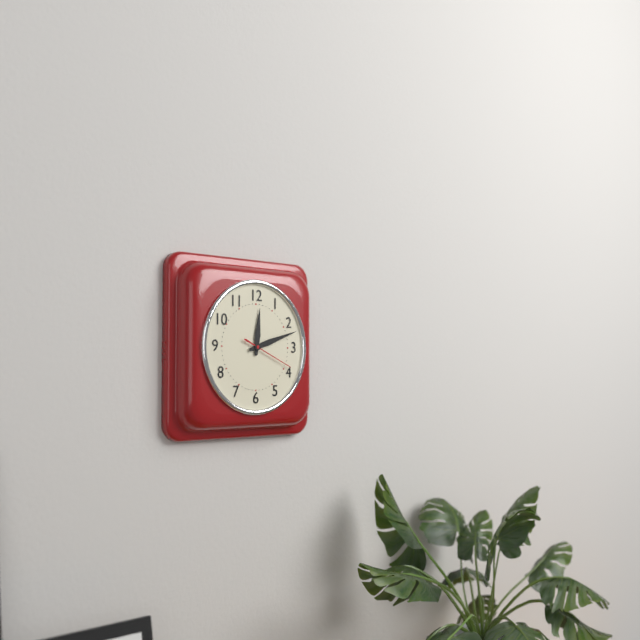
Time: {"hour": 12, "minute": 12}
